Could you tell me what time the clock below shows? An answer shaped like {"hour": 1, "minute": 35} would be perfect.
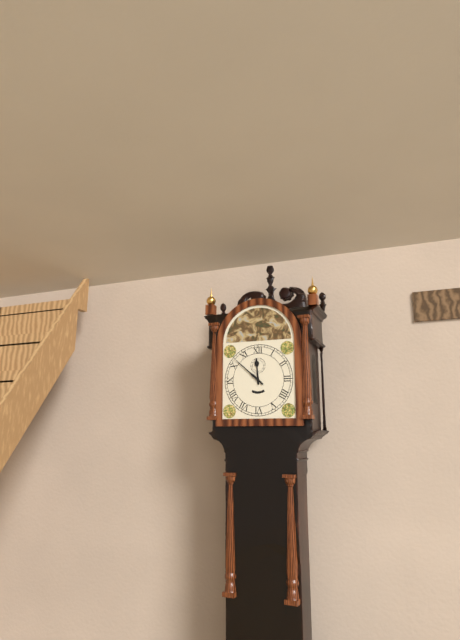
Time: {"hour": 11, "minute": 52}
